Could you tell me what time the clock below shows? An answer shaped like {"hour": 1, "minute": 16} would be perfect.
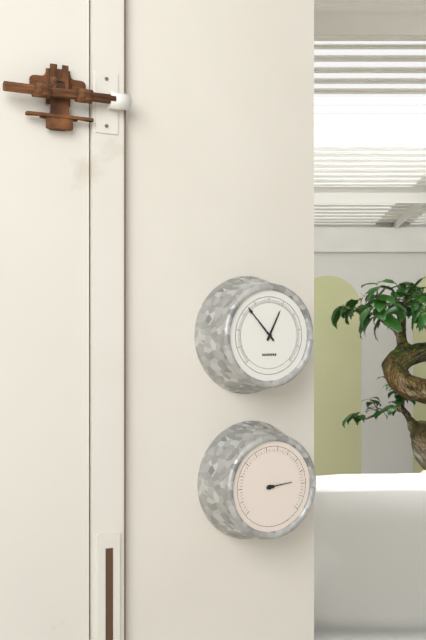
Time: {"hour": 12, "minute": 53}
